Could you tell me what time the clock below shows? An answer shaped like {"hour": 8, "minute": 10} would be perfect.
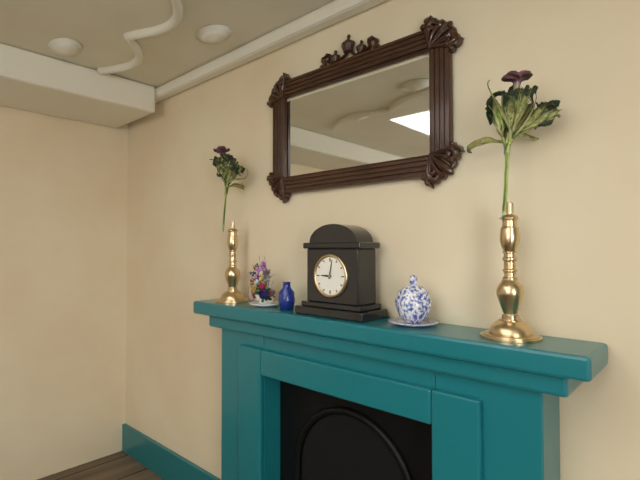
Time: {"hour": 9, "minute": 2}
